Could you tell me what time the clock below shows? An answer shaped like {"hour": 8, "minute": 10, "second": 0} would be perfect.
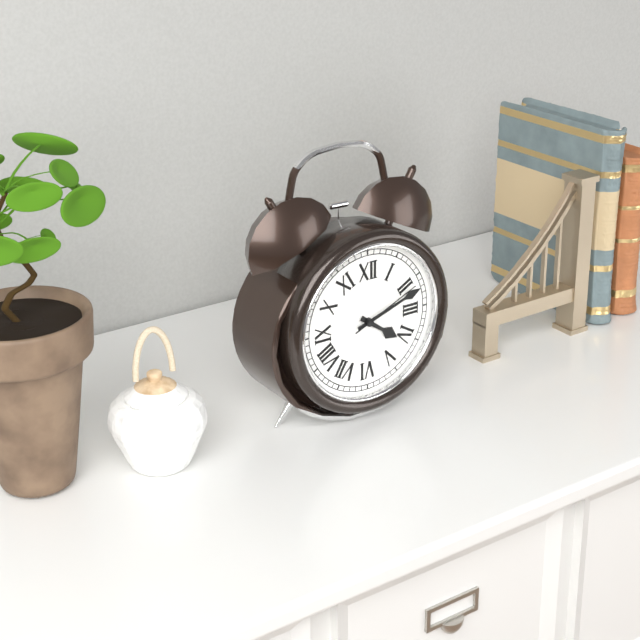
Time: {"hour": 4, "minute": 12, "second": 11}
